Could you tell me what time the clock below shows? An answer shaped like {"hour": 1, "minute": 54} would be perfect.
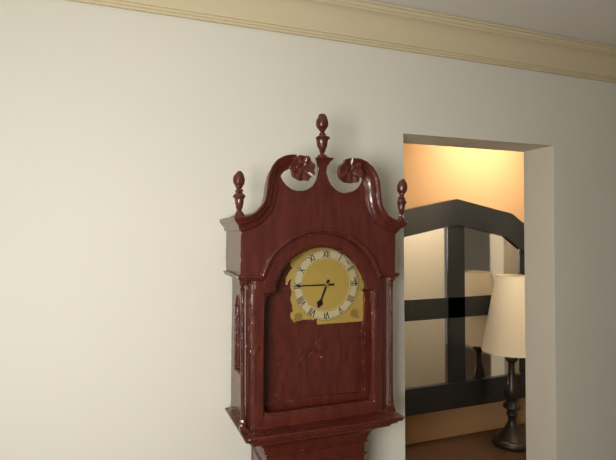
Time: {"hour": 6, "minute": 45}
